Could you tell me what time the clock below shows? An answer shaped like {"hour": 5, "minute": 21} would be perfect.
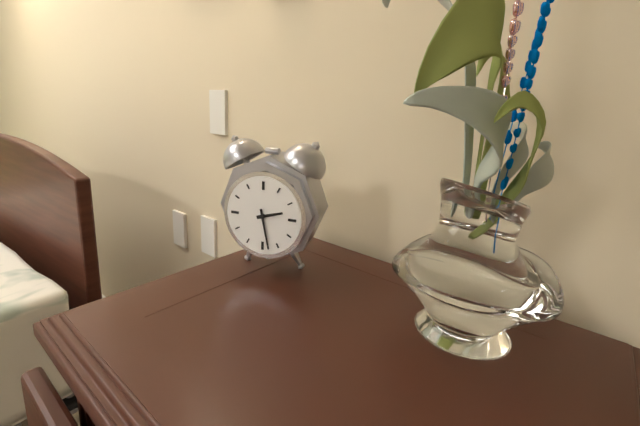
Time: {"hour": 2, "minute": 28}
